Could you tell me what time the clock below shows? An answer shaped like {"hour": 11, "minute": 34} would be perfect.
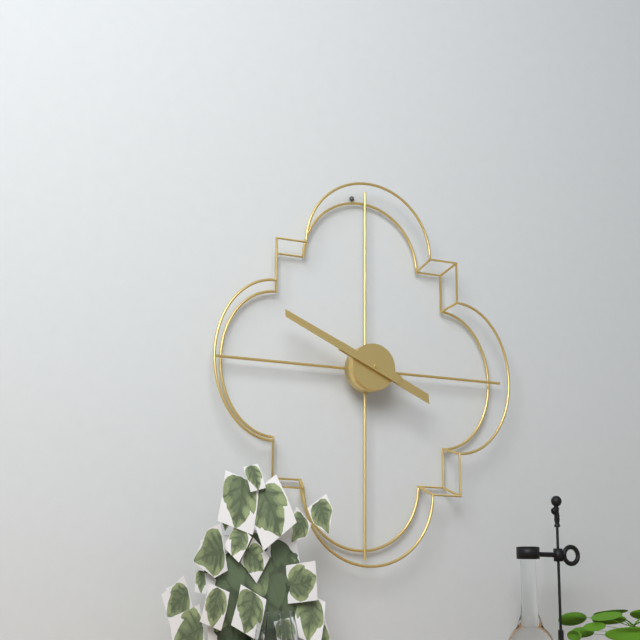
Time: {"hour": 3, "minute": 49}
